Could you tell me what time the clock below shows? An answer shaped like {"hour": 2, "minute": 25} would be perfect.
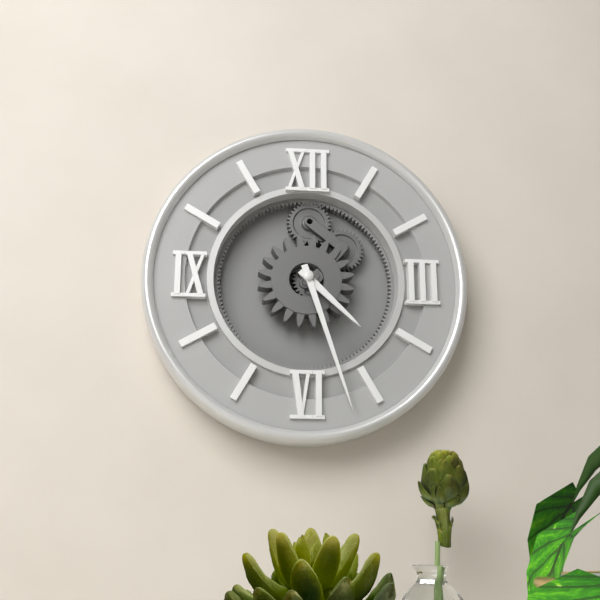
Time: {"hour": 4, "minute": 27}
